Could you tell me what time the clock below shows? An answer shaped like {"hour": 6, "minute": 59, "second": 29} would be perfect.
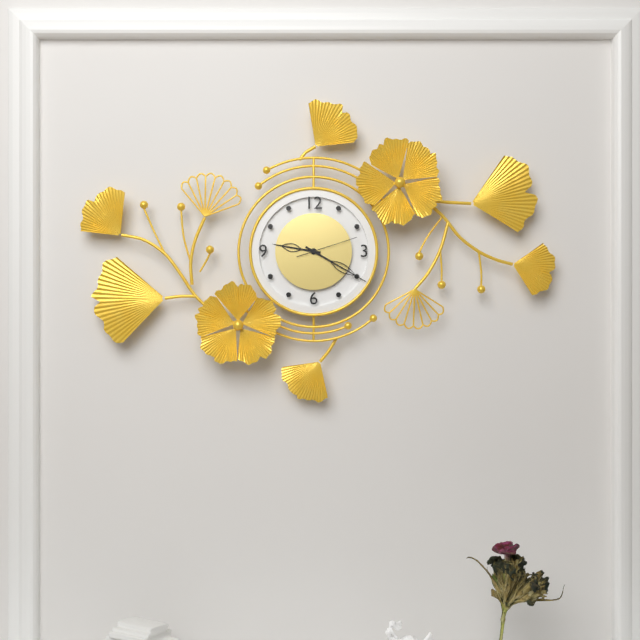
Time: {"hour": 9, "minute": 20, "second": 12}
